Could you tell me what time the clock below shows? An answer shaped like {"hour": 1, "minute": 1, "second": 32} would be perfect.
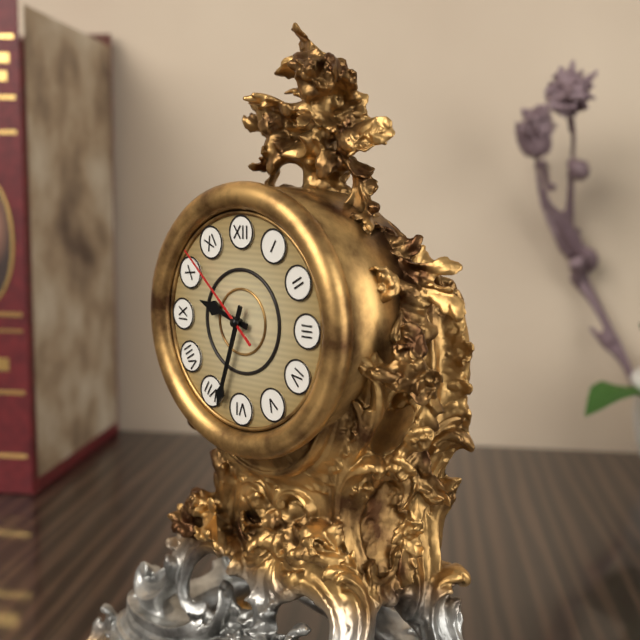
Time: {"hour": 9, "minute": 33, "second": 52}
